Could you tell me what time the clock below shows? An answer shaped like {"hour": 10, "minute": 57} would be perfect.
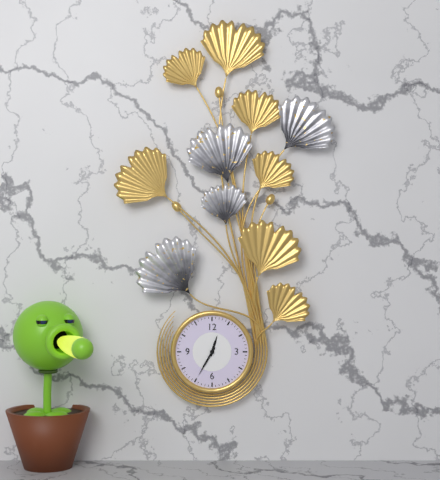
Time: {"hour": 12, "minute": 35}
